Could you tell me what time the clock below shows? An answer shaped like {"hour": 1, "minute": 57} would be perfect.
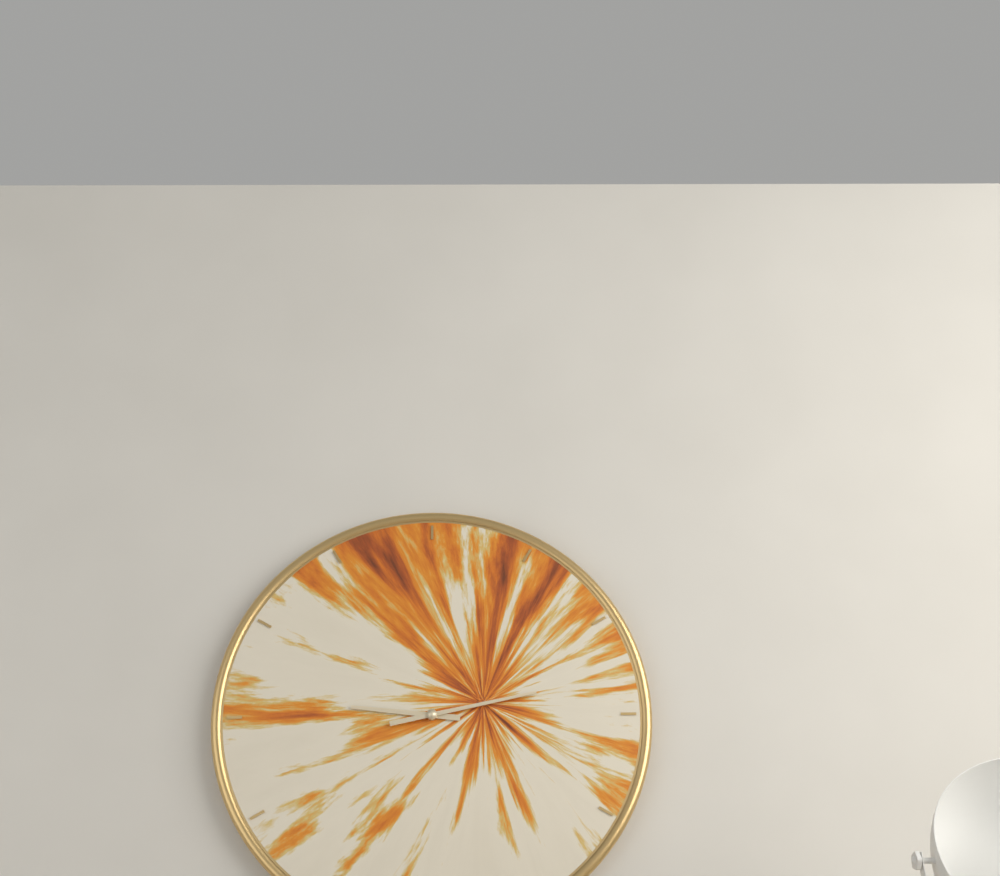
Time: {"hour": 9, "minute": 13}
